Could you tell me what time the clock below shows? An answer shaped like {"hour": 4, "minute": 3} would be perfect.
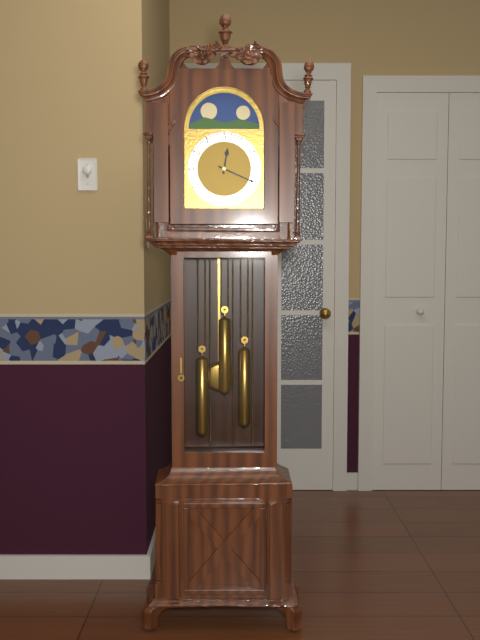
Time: {"hour": 12, "minute": 19}
